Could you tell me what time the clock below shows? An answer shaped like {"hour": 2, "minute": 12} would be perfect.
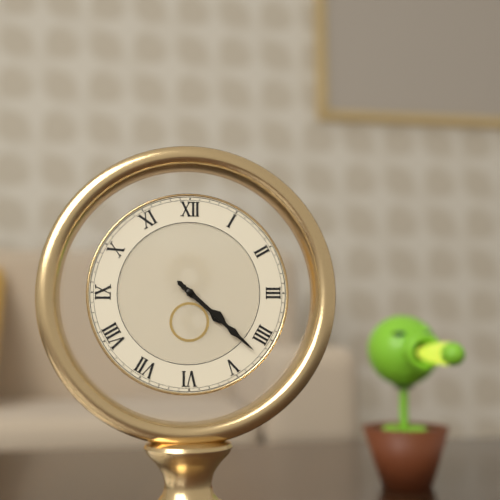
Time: {"hour": 4, "minute": 22}
